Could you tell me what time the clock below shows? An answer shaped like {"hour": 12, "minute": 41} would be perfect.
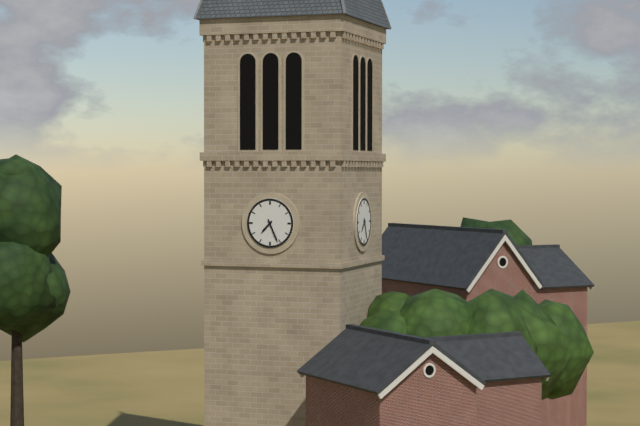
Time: {"hour": 7, "minute": 26}
